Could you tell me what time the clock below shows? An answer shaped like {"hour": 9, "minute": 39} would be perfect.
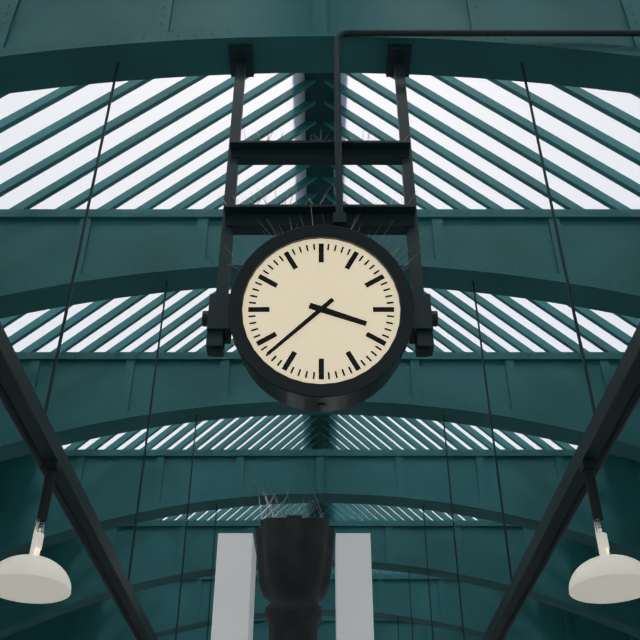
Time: {"hour": 3, "minute": 38}
